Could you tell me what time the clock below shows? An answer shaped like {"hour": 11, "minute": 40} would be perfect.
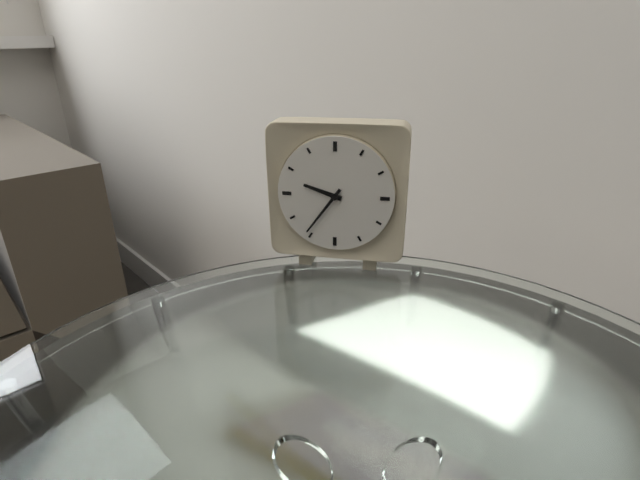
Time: {"hour": 9, "minute": 36}
